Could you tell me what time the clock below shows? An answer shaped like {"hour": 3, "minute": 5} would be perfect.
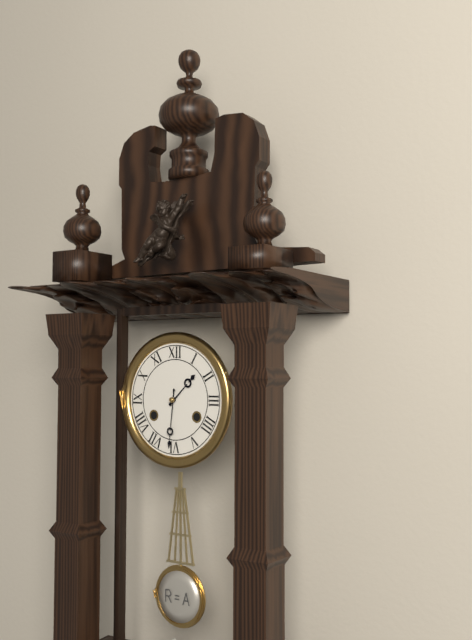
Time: {"hour": 1, "minute": 31}
